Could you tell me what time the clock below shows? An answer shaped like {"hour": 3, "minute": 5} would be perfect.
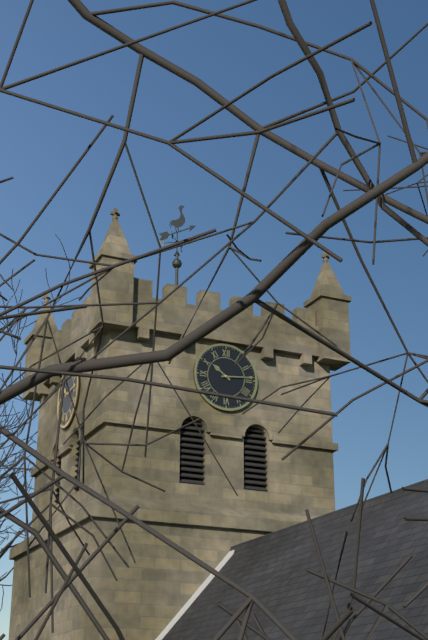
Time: {"hour": 10, "minute": 14}
